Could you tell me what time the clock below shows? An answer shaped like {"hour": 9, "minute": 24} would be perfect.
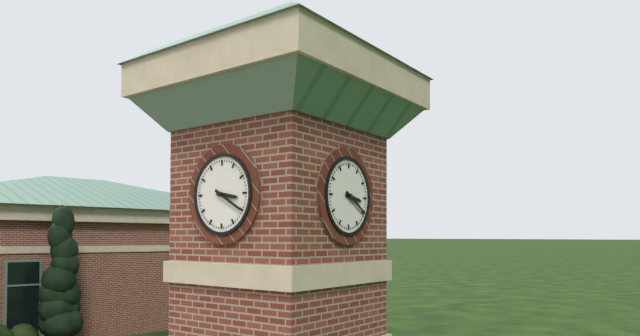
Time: {"hour": 3, "minute": 20}
